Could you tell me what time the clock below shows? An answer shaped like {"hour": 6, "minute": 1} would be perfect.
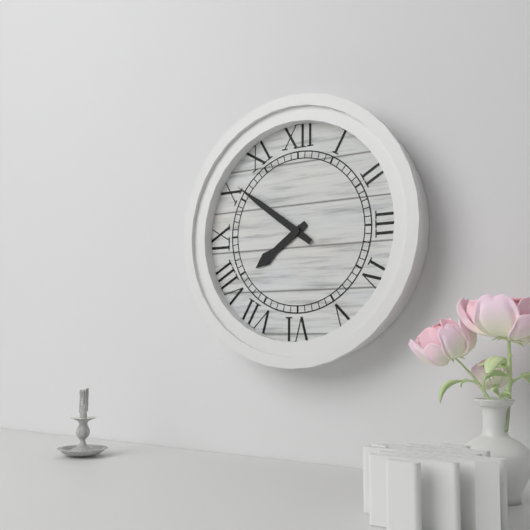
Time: {"hour": 7, "minute": 51}
